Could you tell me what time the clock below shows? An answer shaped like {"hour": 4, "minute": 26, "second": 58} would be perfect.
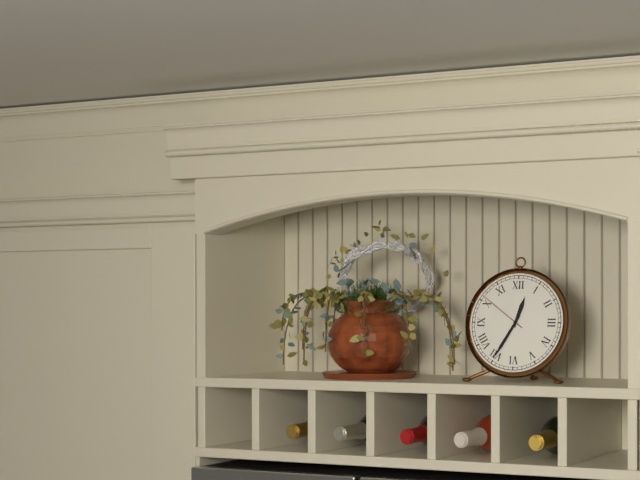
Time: {"hour": 12, "minute": 35, "second": 51}
